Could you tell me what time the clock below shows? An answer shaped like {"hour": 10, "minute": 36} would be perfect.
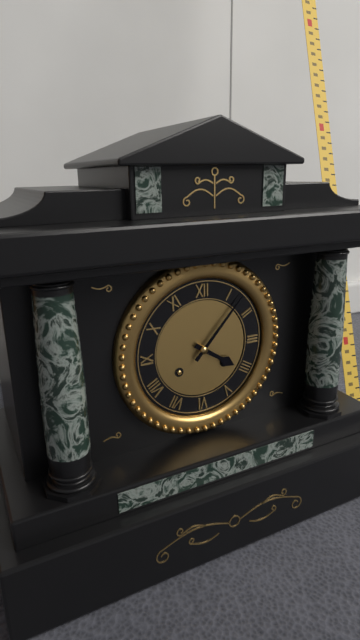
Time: {"hour": 4, "minute": 7}
